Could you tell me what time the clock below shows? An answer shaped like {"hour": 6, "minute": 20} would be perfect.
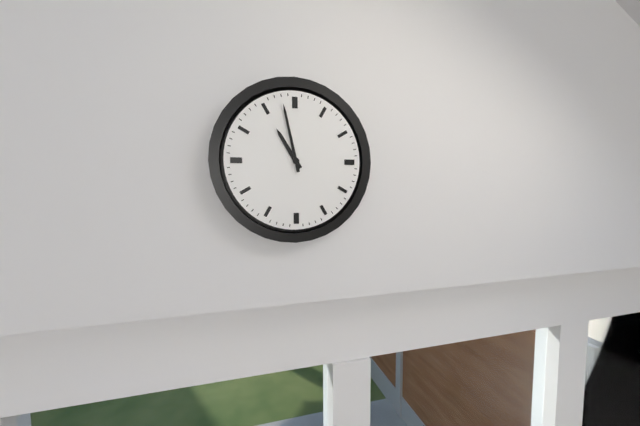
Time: {"hour": 10, "minute": 58}
